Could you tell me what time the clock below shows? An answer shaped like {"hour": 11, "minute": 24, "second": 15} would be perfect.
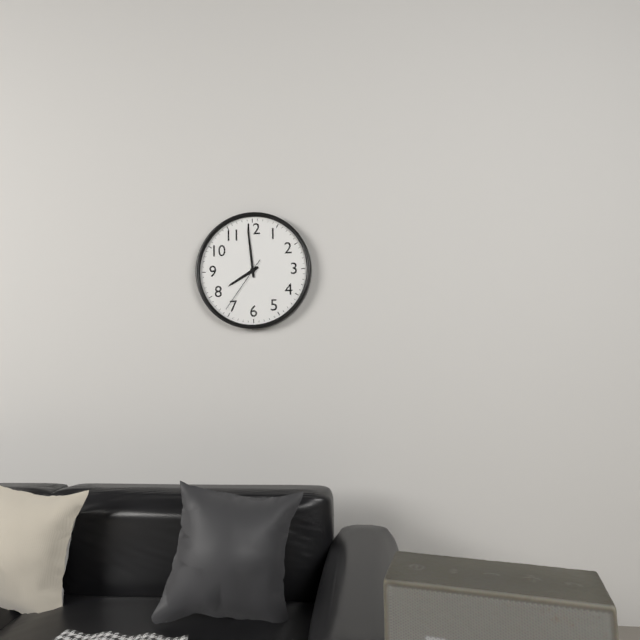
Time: {"hour": 7, "minute": 59, "second": 36}
